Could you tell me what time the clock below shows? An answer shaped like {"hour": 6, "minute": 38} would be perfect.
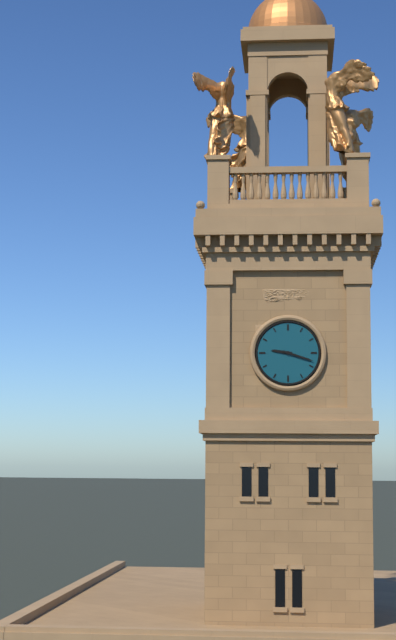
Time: {"hour": 9, "minute": 18}
